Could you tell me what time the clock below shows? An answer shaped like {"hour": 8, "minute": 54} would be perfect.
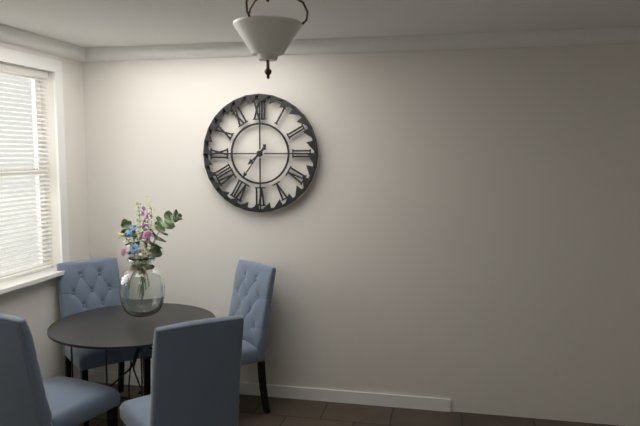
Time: {"hour": 7, "minute": 36}
